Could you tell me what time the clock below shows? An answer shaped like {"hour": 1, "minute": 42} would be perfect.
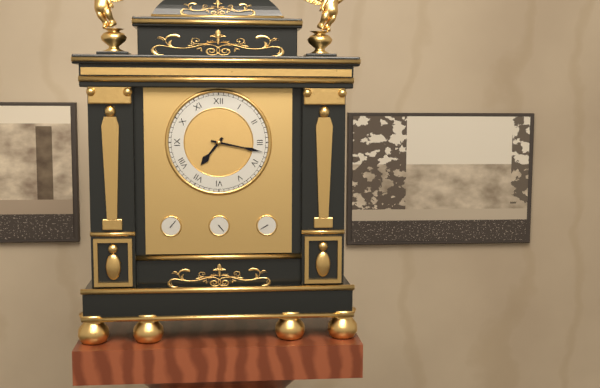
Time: {"hour": 7, "minute": 17}
